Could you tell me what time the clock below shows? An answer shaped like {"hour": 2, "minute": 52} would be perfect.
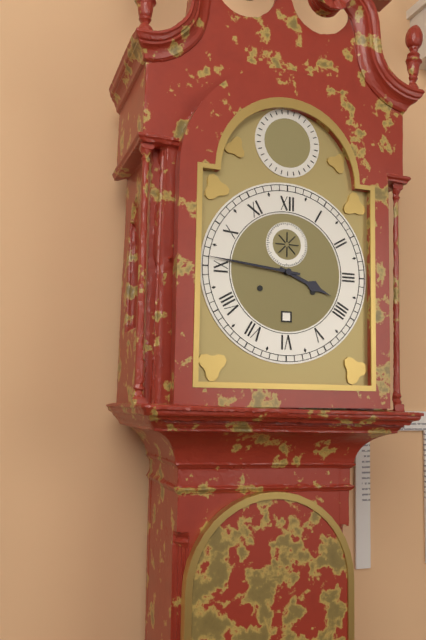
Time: {"hour": 3, "minute": 46}
